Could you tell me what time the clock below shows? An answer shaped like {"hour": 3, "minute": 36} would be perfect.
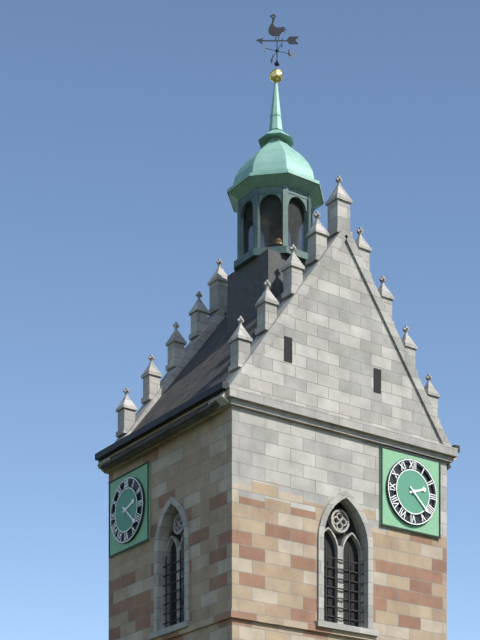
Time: {"hour": 2, "minute": 22}
